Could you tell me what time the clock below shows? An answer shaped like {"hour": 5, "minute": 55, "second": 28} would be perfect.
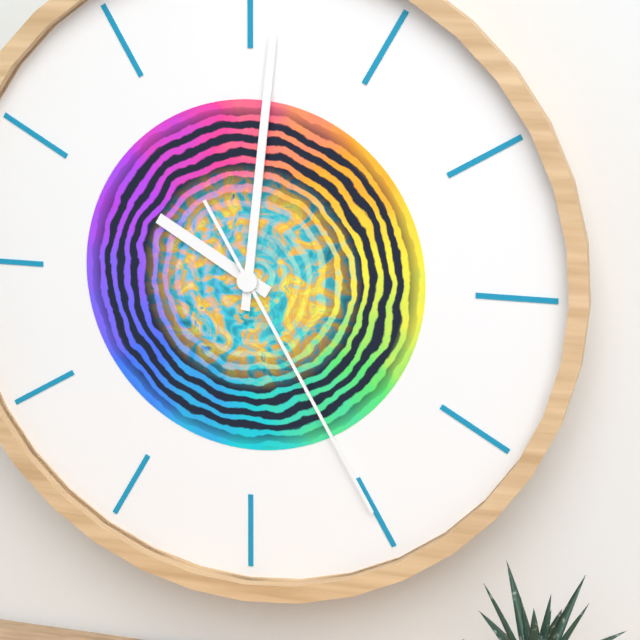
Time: {"hour": 10, "minute": 1, "second": 25}
